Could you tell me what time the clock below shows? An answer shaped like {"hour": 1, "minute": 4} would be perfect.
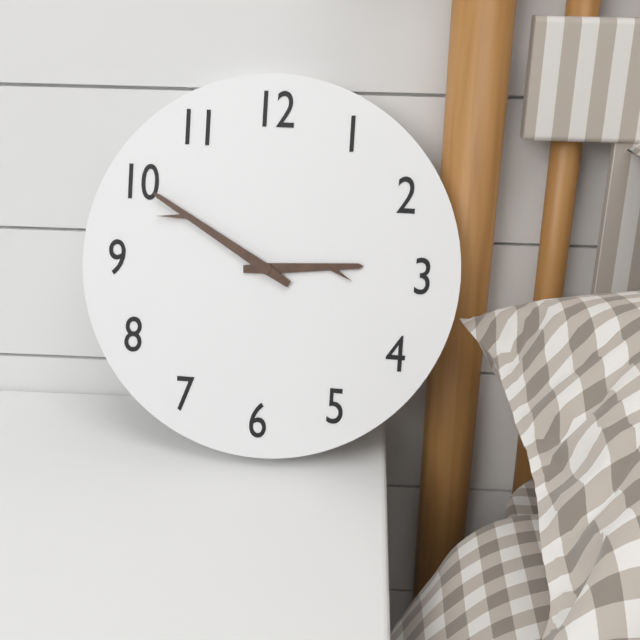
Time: {"hour": 2, "minute": 50}
